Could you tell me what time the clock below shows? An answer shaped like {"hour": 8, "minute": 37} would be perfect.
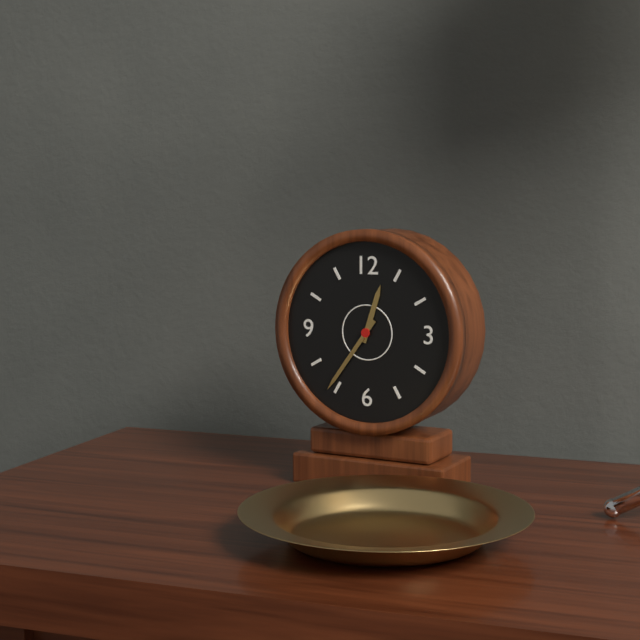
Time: {"hour": 12, "minute": 36}
